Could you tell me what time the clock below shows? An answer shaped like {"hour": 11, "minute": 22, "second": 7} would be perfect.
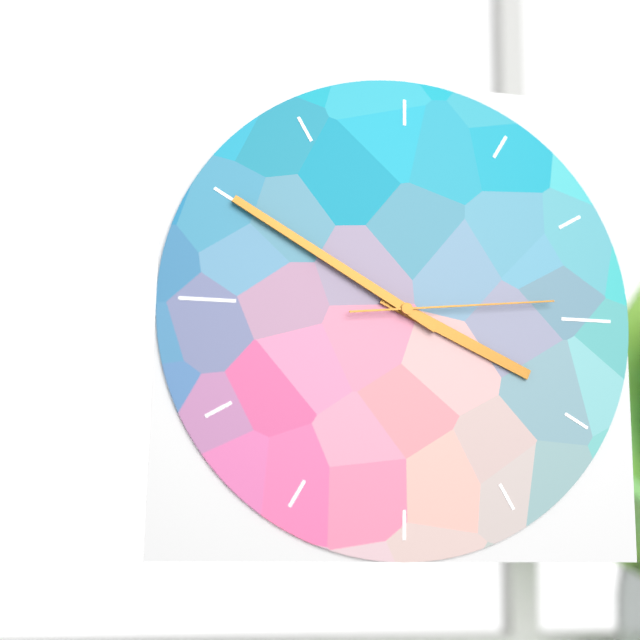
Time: {"hour": 3, "minute": 50, "second": 14}
